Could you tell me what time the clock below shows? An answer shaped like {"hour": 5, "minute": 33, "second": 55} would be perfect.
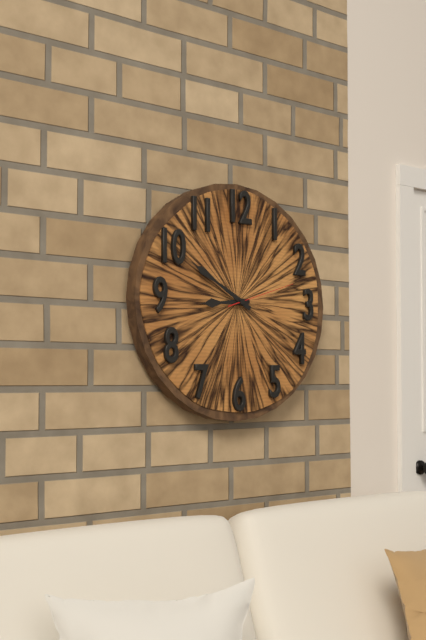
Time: {"hour": 8, "minute": 50, "second": 12}
